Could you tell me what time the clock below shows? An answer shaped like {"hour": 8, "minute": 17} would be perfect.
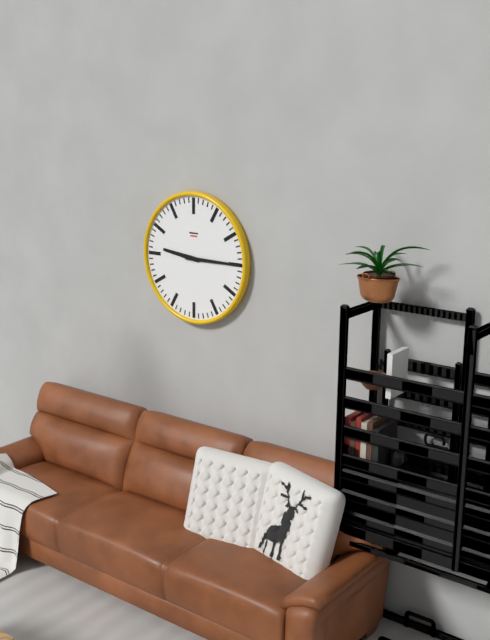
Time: {"hour": 9, "minute": 15}
